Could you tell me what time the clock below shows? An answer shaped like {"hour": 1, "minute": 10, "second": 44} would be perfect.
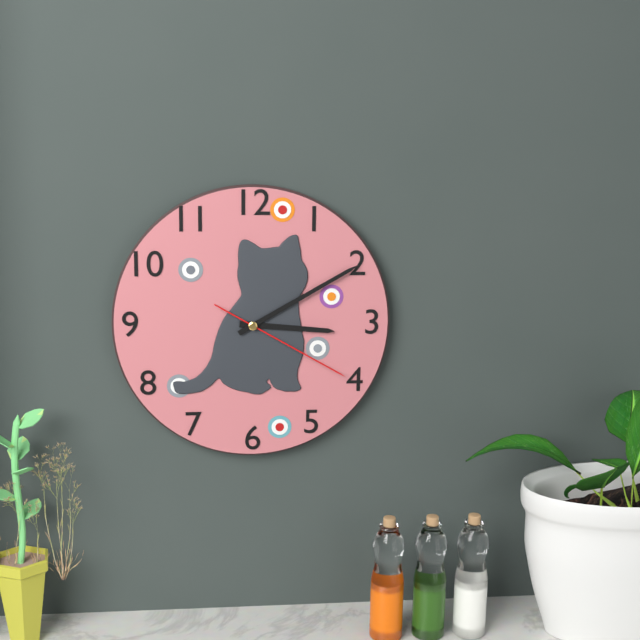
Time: {"hour": 3, "minute": 10, "second": 20}
